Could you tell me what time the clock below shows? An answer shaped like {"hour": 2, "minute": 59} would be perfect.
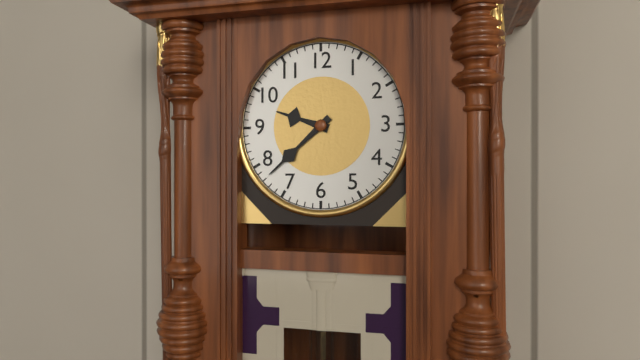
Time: {"hour": 9, "minute": 38}
